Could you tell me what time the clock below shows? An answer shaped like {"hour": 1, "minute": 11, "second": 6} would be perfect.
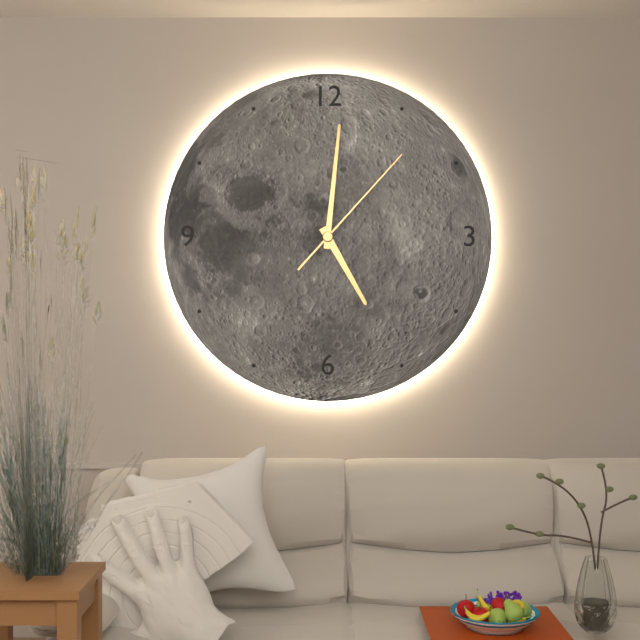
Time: {"hour": 5, "minute": 1, "second": 7}
